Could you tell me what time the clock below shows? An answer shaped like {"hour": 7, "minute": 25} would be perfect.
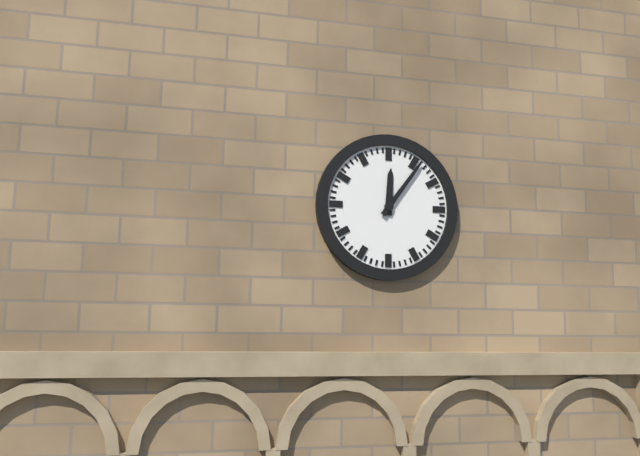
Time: {"hour": 12, "minute": 6}
